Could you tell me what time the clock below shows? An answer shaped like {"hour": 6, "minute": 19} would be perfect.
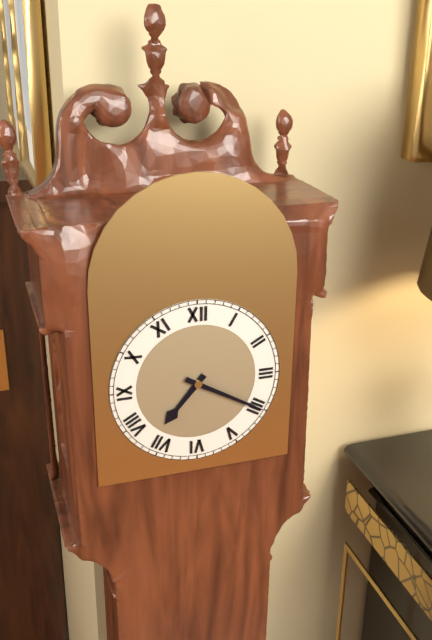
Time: {"hour": 7, "minute": 20}
